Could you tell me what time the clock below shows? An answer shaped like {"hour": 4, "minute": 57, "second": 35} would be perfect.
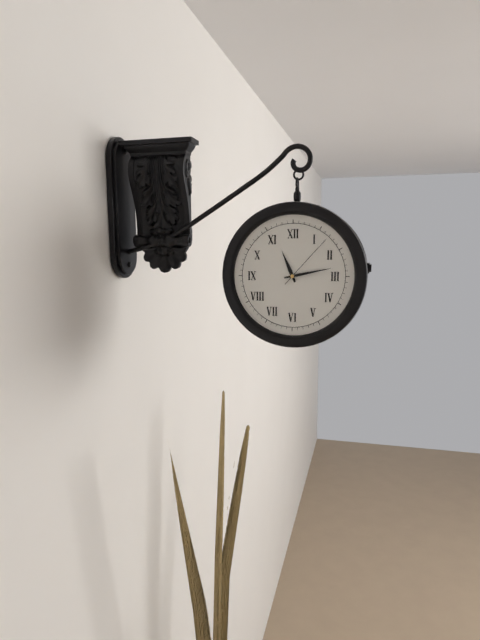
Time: {"hour": 11, "minute": 13, "second": 7}
